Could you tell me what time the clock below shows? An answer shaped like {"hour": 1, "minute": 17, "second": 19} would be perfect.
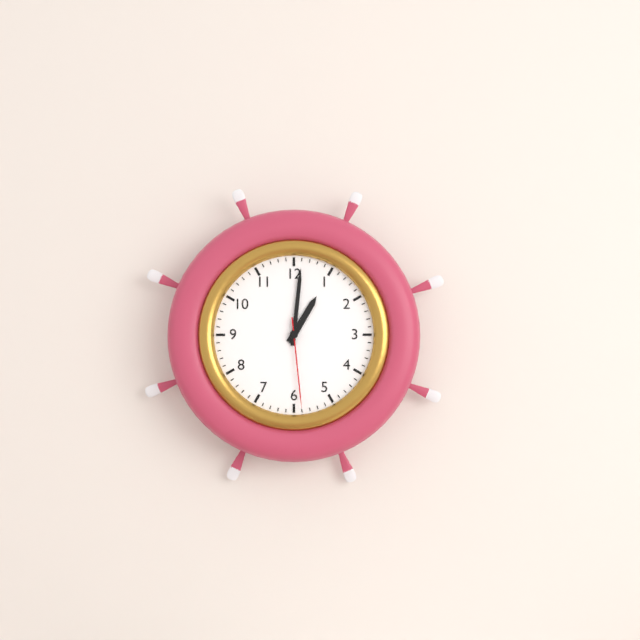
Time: {"hour": 1, "minute": 1, "second": 29}
